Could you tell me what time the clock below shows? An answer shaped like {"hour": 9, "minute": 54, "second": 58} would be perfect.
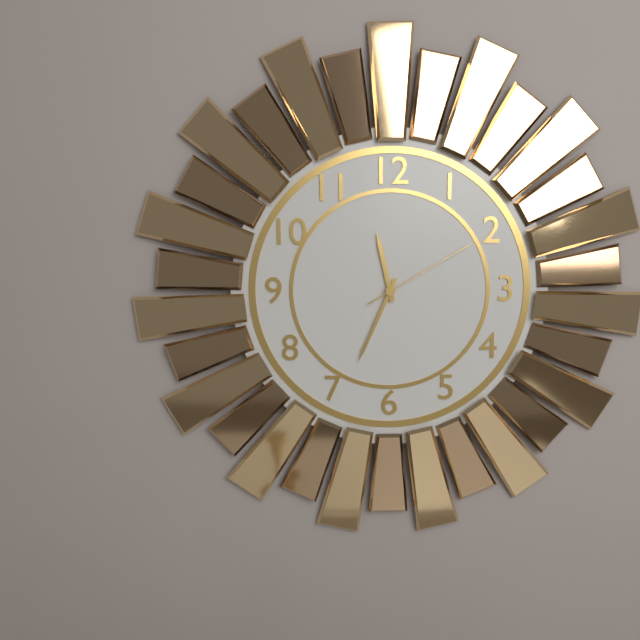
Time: {"hour": 11, "minute": 34, "second": 10}
